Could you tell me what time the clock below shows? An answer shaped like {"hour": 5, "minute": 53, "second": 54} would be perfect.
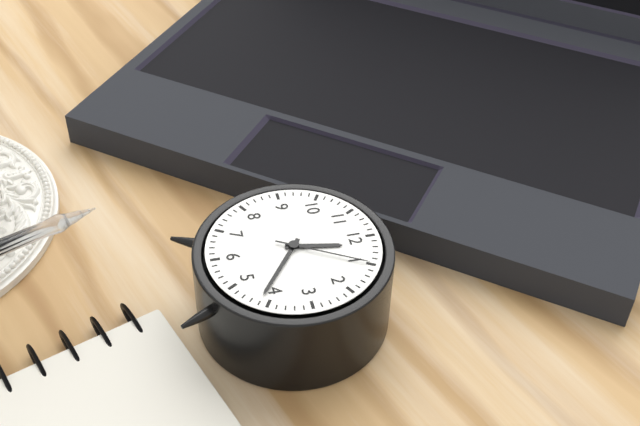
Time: {"hour": 12, "minute": 21, "second": 5}
